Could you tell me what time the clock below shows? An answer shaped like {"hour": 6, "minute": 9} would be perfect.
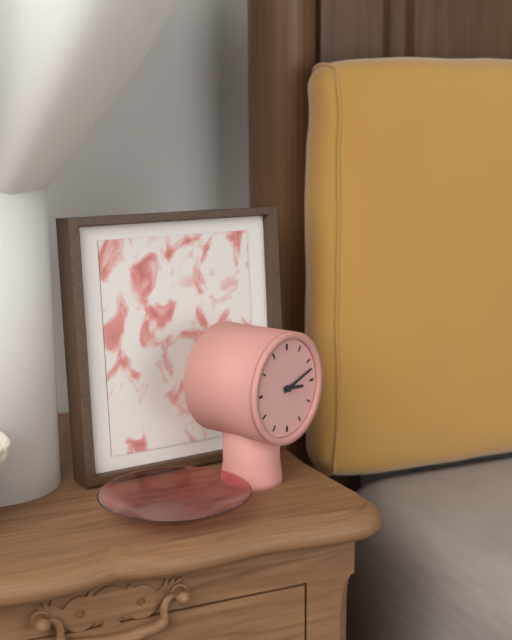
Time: {"hour": 3, "minute": 12}
